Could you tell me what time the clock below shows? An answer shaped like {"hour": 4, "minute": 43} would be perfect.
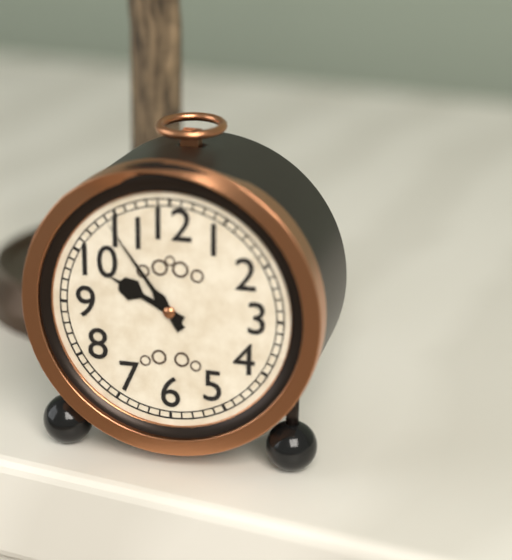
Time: {"hour": 9, "minute": 54}
